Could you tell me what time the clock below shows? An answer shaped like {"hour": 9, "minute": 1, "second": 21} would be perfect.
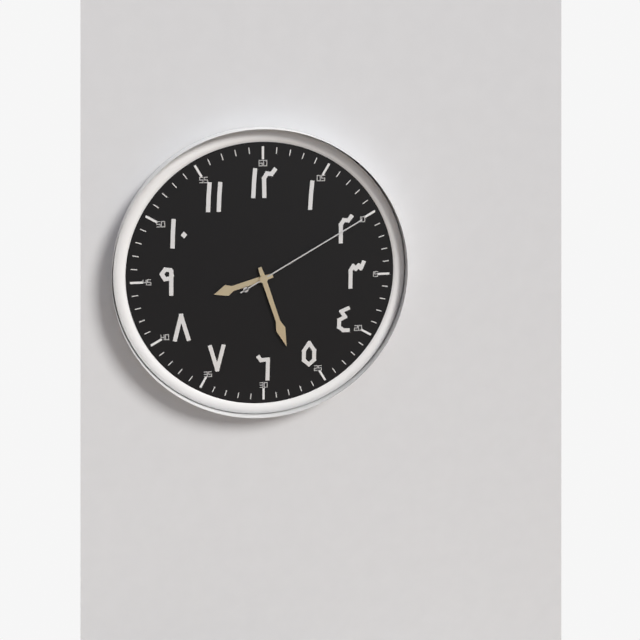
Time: {"hour": 8, "minute": 27, "second": 10}
